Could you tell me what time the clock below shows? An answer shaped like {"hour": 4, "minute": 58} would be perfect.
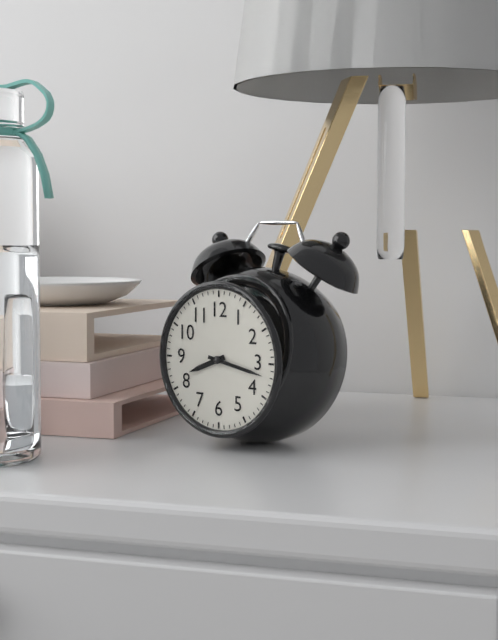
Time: {"hour": 8, "minute": 17}
